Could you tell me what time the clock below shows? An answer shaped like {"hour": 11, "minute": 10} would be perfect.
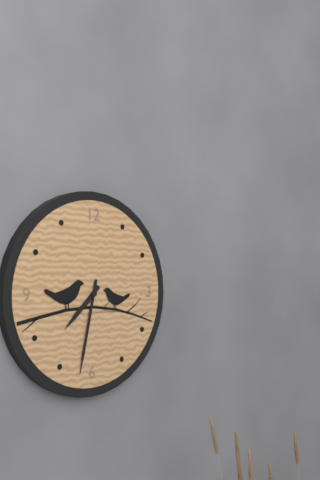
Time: {"hour": 7, "minute": 32}
